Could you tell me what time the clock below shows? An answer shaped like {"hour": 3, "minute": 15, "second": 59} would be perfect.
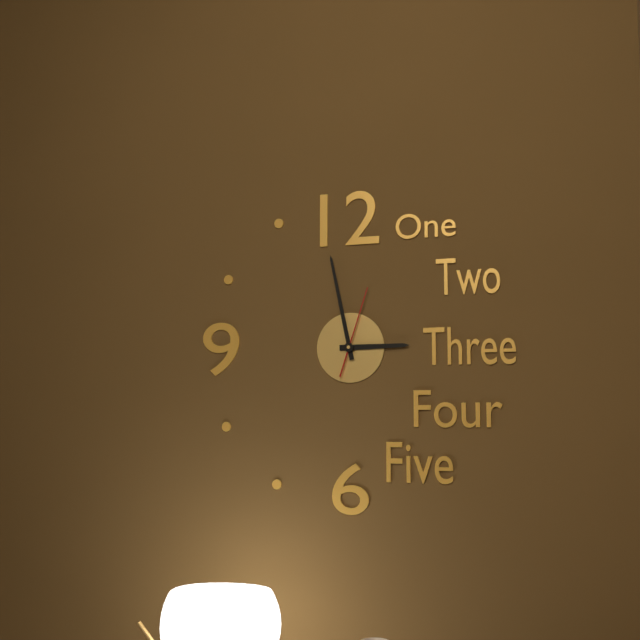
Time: {"hour": 2, "minute": 58, "second": 3}
